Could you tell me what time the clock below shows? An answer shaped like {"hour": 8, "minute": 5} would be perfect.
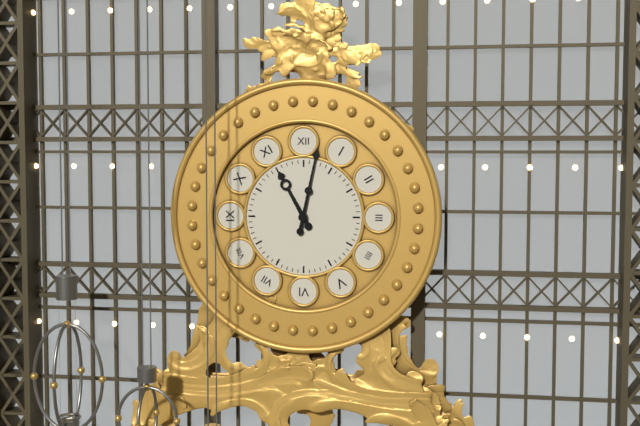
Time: {"hour": 11, "minute": 2}
